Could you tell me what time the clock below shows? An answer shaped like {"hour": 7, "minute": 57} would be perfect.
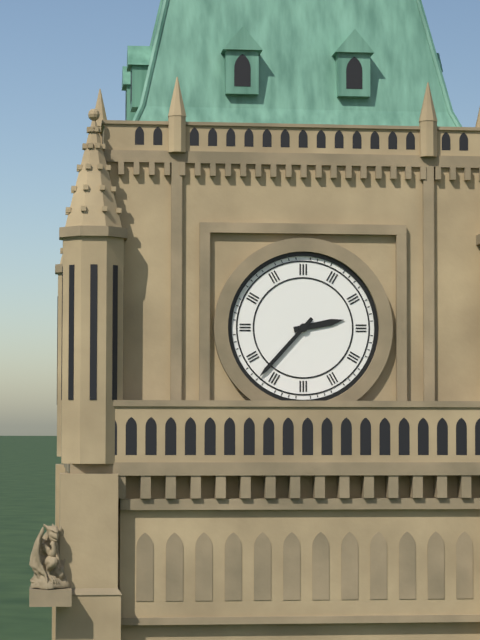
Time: {"hour": 2, "minute": 37}
